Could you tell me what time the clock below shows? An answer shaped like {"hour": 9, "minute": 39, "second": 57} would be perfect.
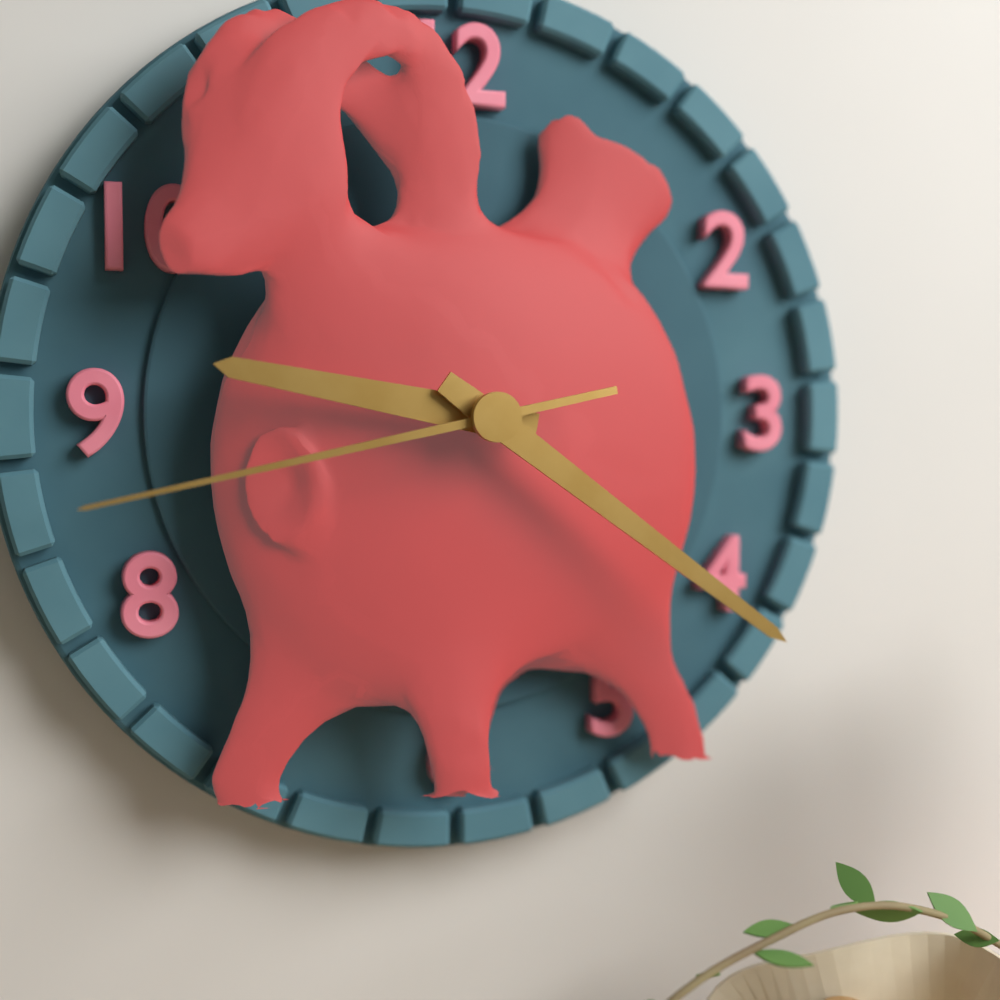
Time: {"hour": 9, "minute": 21, "second": 43}
